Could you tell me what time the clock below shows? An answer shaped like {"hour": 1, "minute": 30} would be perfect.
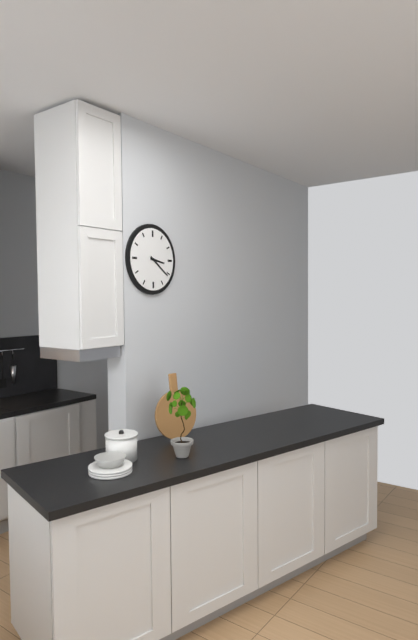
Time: {"hour": 3, "minute": 21}
